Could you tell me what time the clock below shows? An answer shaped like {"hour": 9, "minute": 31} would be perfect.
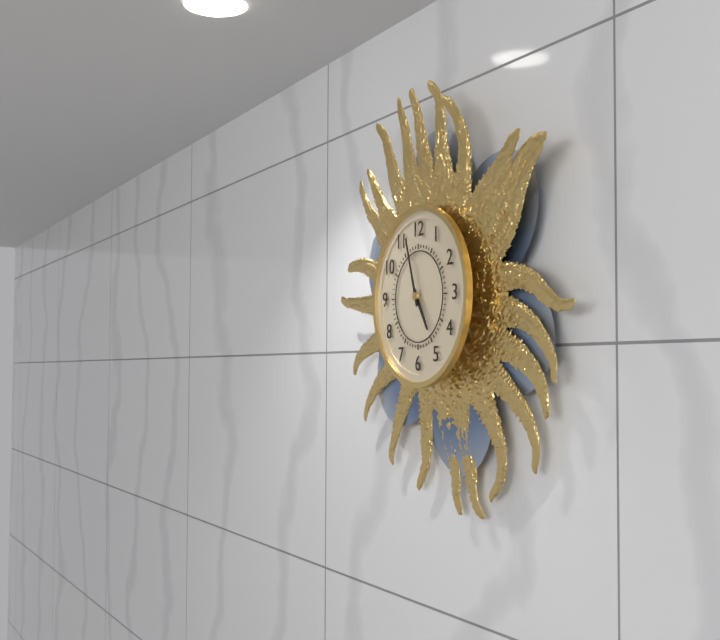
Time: {"hour": 4, "minute": 57}
